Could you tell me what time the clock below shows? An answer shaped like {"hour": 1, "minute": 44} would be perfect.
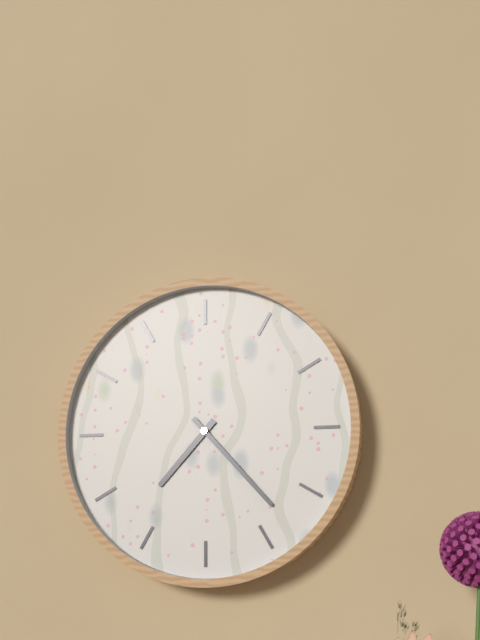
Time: {"hour": 7, "minute": 23}
